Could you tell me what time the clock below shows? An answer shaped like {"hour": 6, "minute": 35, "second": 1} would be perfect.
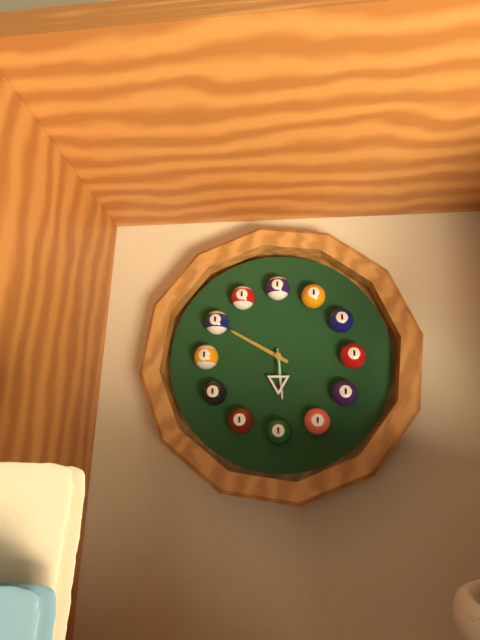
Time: {"hour": 5, "minute": 50, "second": 30}
